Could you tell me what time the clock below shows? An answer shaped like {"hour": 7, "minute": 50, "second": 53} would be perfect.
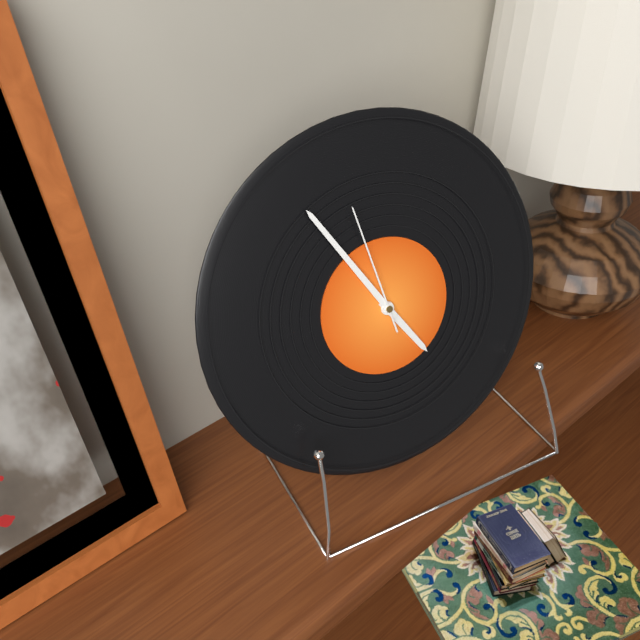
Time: {"hour": 4, "minute": 55, "second": 58}
